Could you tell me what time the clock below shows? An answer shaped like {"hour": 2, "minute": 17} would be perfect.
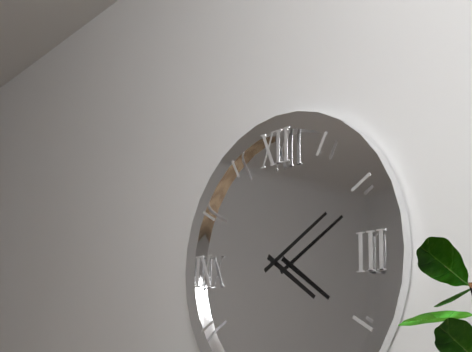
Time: {"hour": 4, "minute": 10}
